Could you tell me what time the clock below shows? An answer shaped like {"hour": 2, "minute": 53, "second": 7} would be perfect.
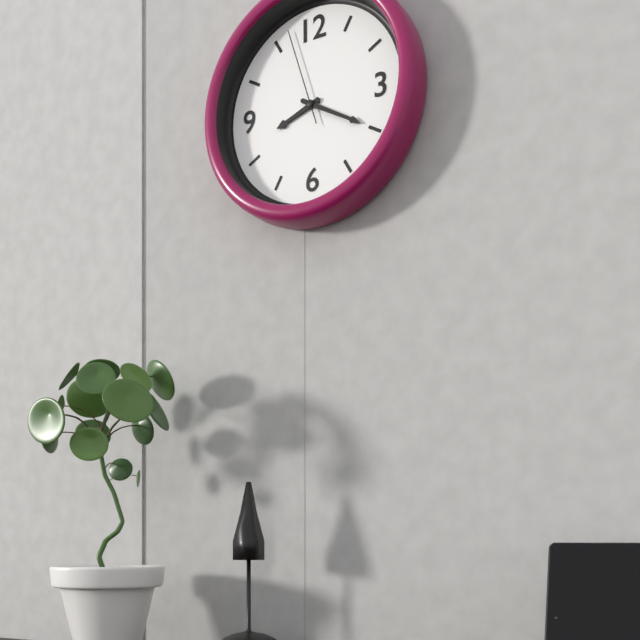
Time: {"hour": 8, "minute": 20, "second": 57}
